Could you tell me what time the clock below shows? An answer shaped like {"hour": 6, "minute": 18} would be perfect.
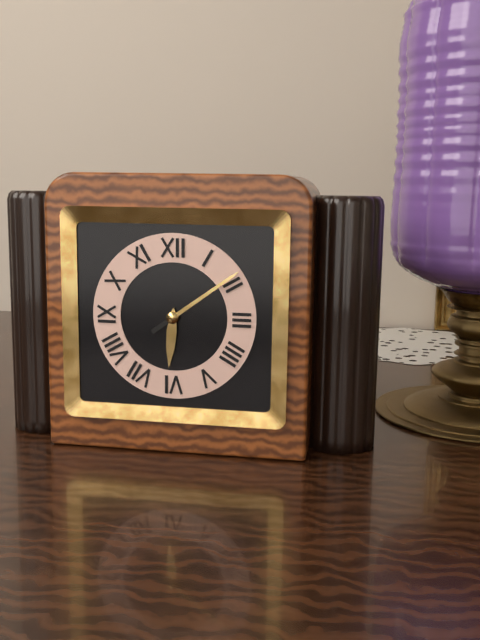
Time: {"hour": 6, "minute": 9}
